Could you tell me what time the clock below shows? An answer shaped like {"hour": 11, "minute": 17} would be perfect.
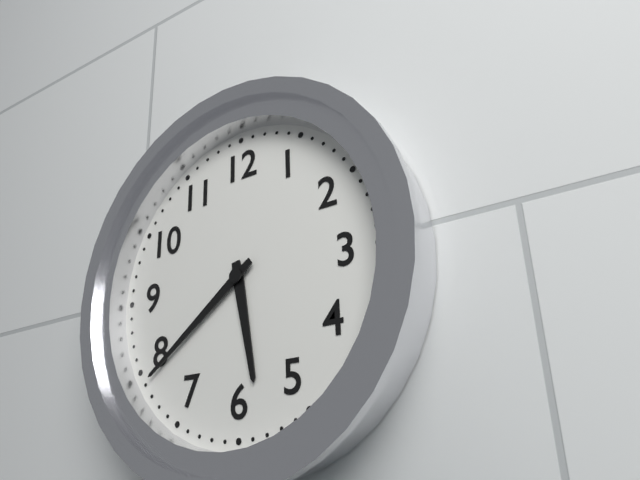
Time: {"hour": 5, "minute": 39}
